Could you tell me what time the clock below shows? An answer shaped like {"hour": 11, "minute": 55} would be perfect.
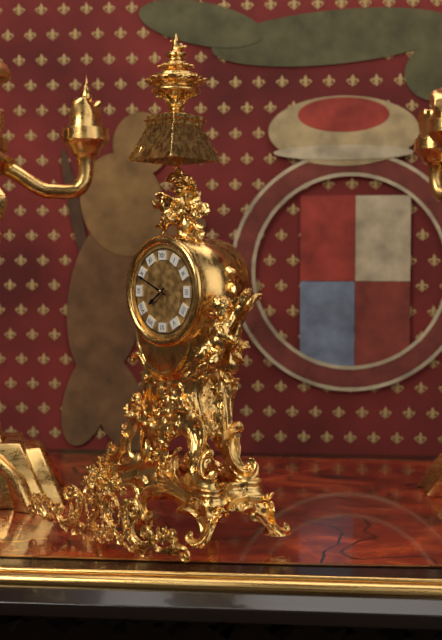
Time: {"hour": 7, "minute": 49}
